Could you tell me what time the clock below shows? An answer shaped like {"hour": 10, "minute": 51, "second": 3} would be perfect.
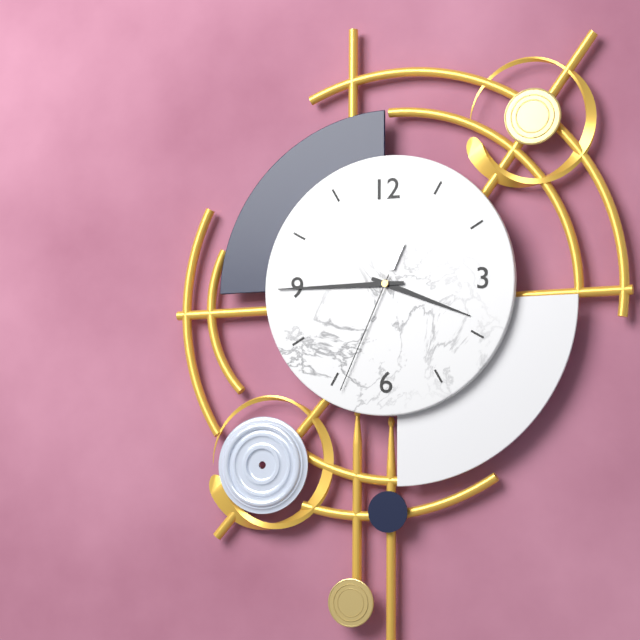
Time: {"hour": 3, "minute": 45, "second": 34}
